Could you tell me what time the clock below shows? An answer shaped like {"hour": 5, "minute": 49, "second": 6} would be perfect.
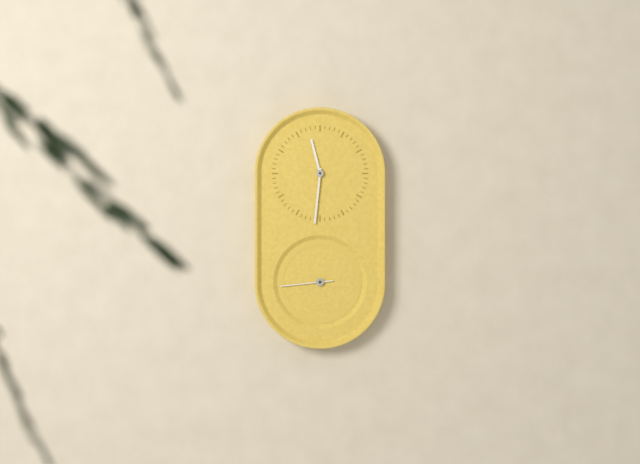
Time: {"hour": 11, "minute": 31, "second": 44}
